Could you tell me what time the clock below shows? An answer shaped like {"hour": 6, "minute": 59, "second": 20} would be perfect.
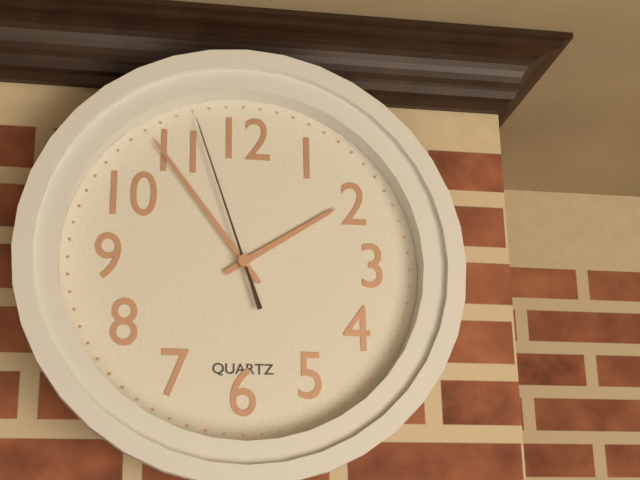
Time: {"hour": 1, "minute": 54, "second": 57}
